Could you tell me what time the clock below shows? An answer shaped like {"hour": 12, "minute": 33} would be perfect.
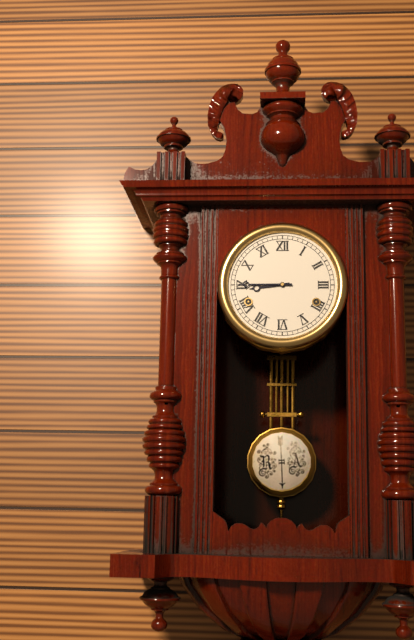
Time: {"hour": 8, "minute": 45}
